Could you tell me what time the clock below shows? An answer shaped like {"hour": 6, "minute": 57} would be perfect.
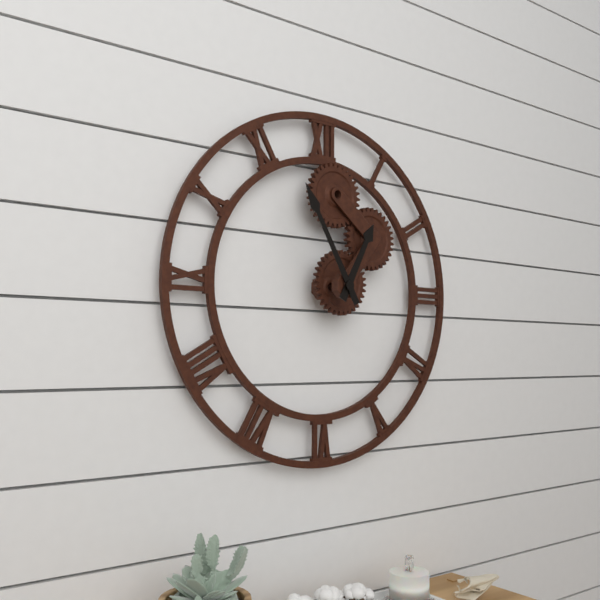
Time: {"hour": 12, "minute": 55}
